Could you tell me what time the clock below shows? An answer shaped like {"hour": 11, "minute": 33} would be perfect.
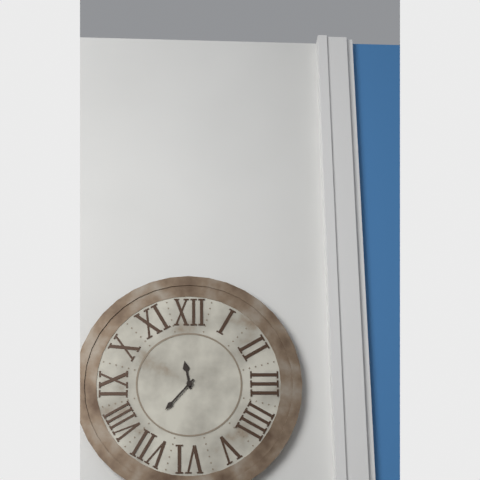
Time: {"hour": 11, "minute": 37}
